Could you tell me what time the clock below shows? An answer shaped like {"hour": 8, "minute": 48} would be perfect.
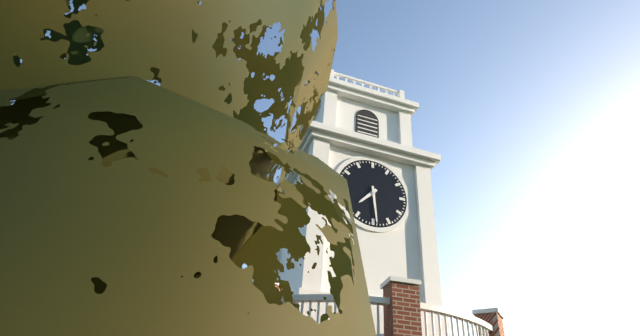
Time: {"hour": 7, "minute": 29}
